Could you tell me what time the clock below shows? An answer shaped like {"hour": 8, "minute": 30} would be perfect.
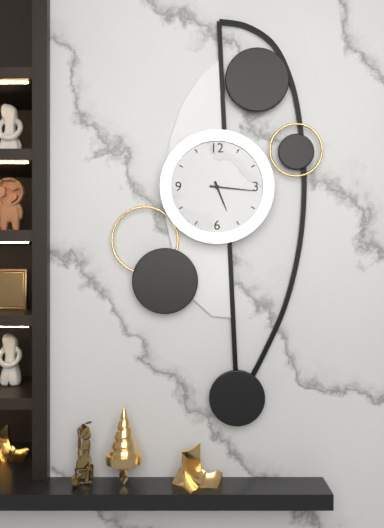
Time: {"hour": 5, "minute": 16}
